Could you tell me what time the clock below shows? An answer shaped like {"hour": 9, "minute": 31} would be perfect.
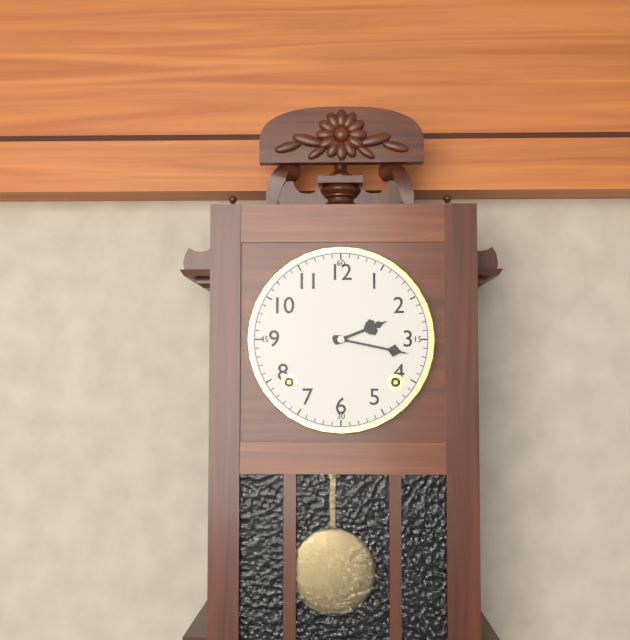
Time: {"hour": 2, "minute": 17}
